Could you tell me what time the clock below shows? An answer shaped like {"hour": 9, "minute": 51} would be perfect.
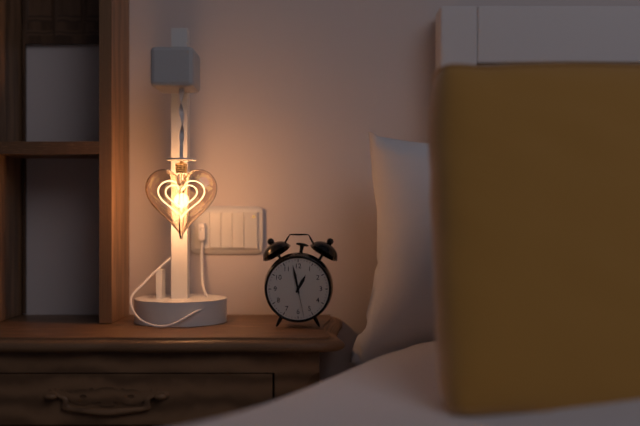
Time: {"hour": 12, "minute": 58}
